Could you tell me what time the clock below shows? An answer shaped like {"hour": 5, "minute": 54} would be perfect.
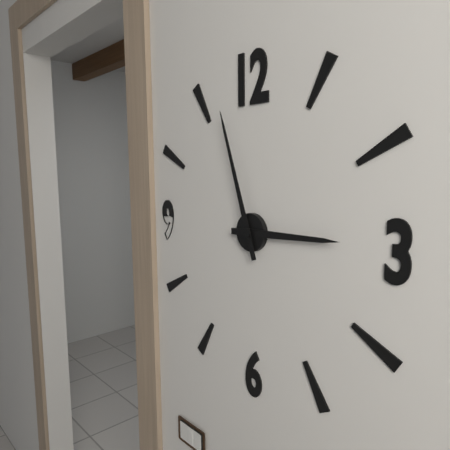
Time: {"hour": 2, "minute": 57}
